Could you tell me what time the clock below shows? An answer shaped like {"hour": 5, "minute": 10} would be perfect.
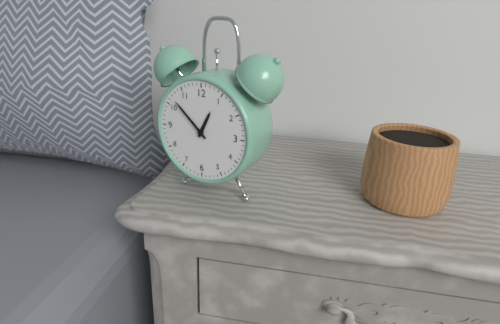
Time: {"hour": 12, "minute": 52}
